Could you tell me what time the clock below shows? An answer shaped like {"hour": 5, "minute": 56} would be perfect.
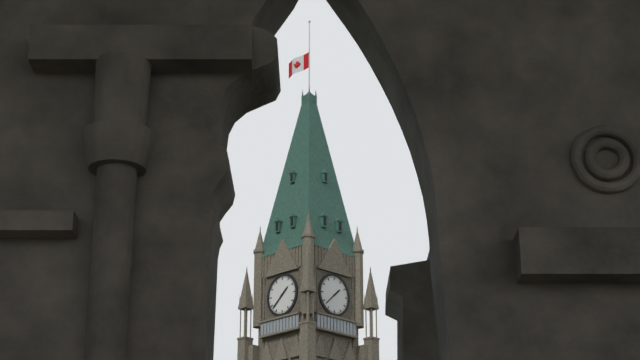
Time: {"hour": 1, "minute": 38}
